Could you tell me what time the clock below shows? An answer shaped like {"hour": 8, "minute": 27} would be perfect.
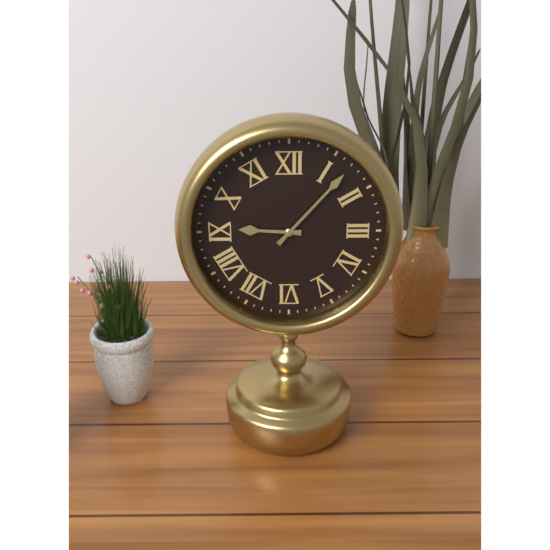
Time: {"hour": 9, "minute": 7}
